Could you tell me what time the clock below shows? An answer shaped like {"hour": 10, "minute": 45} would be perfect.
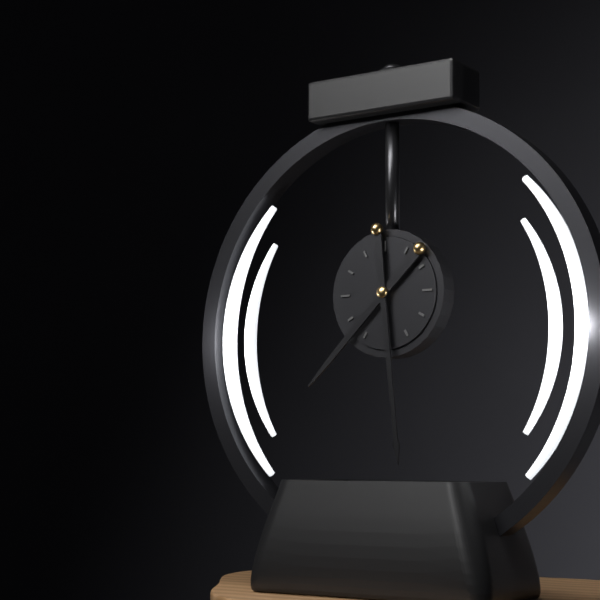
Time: {"hour": 7, "minute": 29}
